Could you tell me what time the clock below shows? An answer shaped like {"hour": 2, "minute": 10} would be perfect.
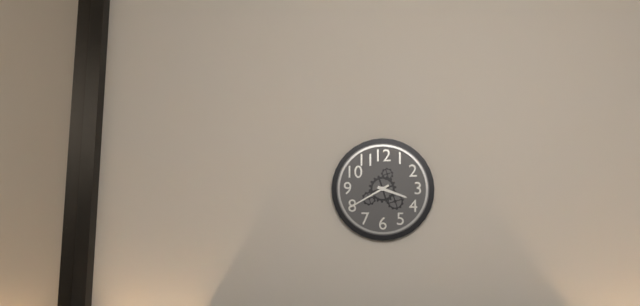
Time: {"hour": 3, "minute": 40}
